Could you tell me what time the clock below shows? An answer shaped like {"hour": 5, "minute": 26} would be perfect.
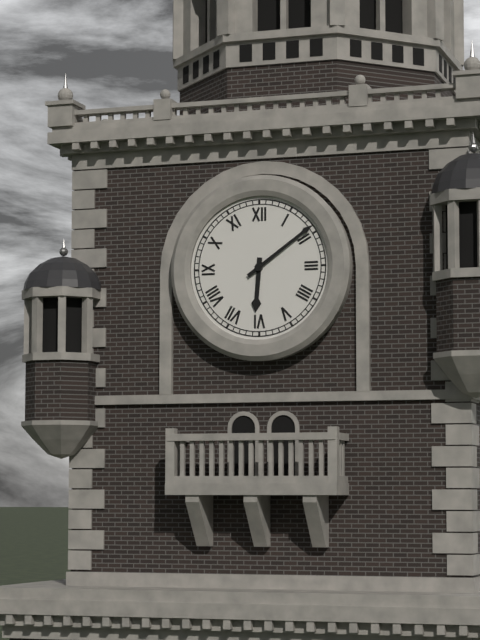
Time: {"hour": 6, "minute": 9}
